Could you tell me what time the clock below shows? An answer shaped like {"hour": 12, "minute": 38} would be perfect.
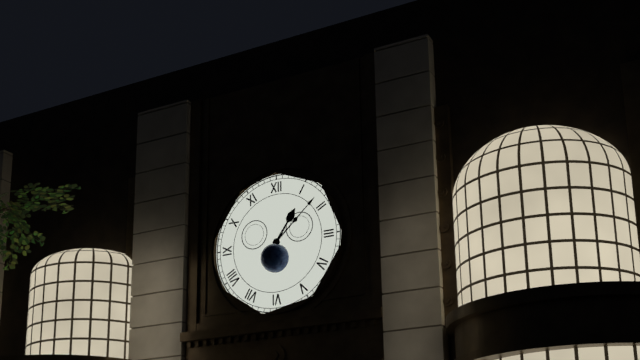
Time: {"hour": 1, "minute": 8}
